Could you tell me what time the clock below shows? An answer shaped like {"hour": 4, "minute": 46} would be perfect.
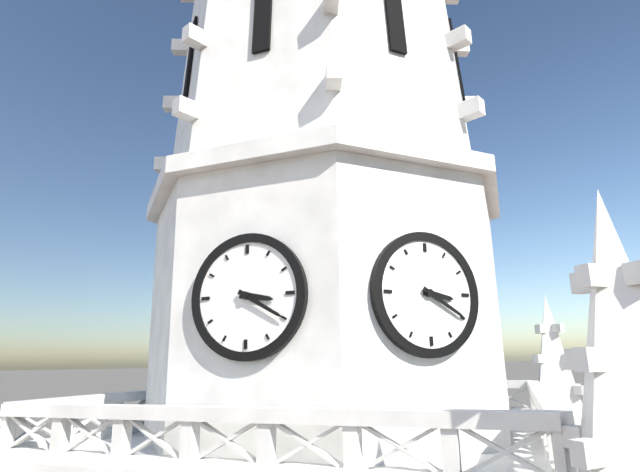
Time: {"hour": 3, "minute": 20}
